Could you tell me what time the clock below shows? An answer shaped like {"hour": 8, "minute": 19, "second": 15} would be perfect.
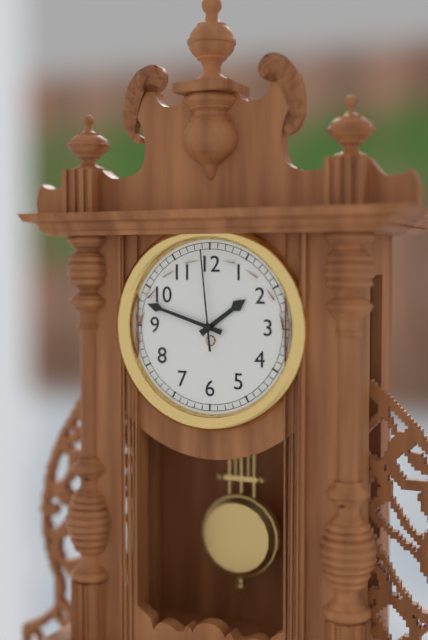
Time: {"hour": 1, "minute": 48, "second": 59}
